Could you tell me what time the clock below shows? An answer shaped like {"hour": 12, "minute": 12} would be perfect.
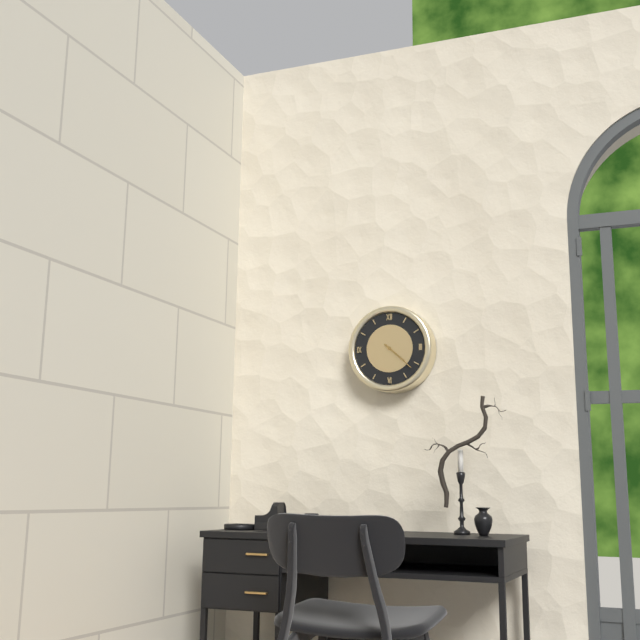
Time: {"hour": 4, "minute": 22}
